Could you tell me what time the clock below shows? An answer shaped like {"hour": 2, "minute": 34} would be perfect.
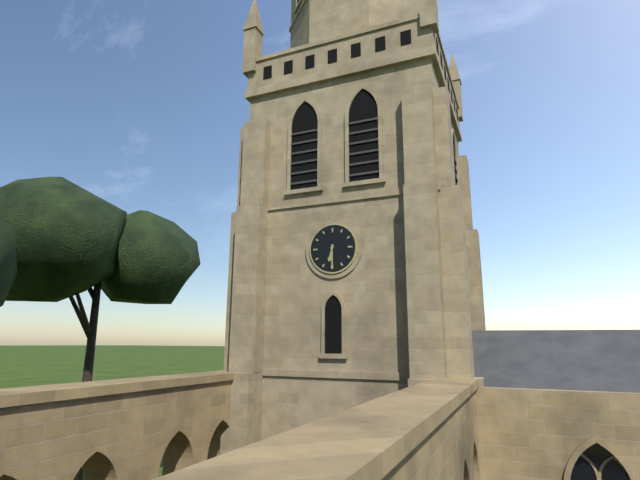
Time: {"hour": 6, "minute": 30}
